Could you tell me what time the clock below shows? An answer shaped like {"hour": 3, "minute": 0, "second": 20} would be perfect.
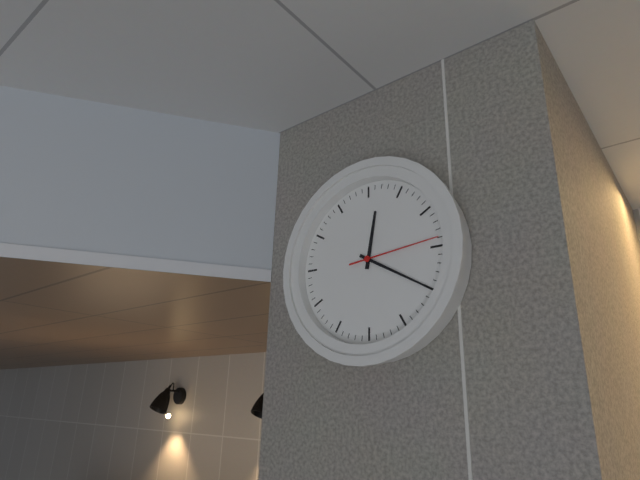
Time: {"hour": 12, "minute": 20, "second": 14}
